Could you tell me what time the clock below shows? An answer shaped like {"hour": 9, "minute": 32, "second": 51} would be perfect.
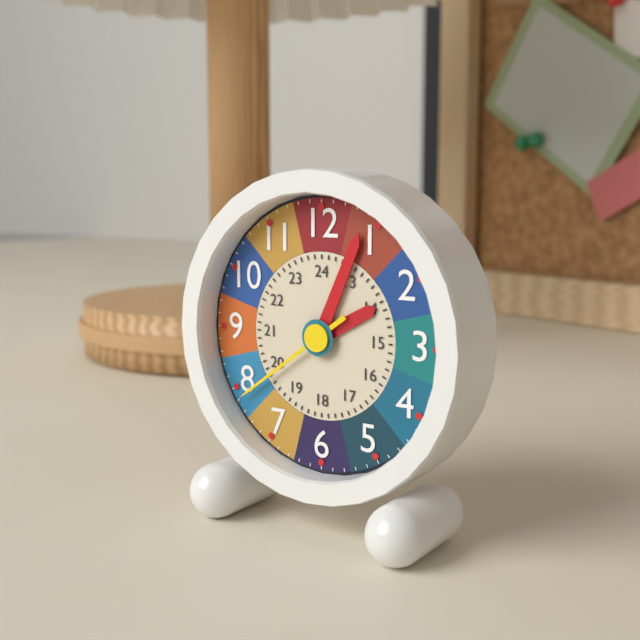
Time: {"hour": 2, "minute": 4, "second": 39}
